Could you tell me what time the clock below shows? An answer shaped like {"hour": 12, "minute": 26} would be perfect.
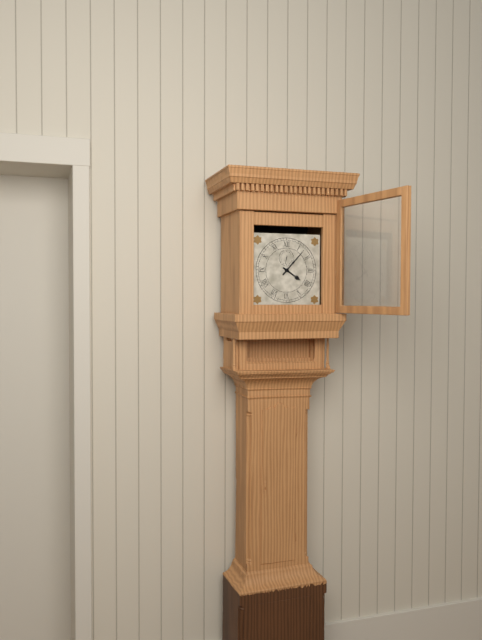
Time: {"hour": 4, "minute": 7}
